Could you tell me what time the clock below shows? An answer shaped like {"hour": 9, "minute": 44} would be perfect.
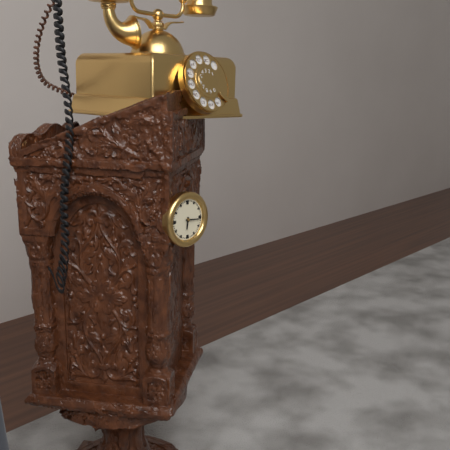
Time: {"hour": 6, "minute": 16}
